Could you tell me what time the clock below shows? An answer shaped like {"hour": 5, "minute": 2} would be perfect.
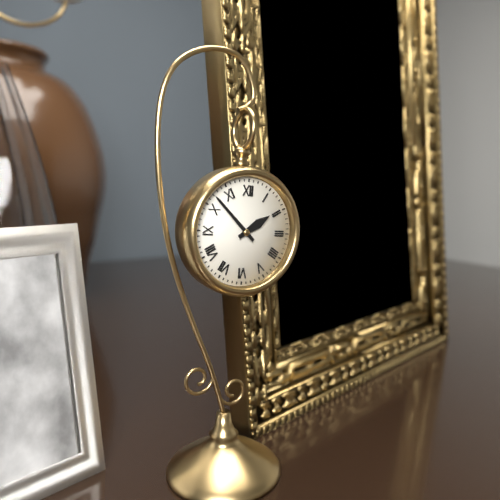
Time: {"hour": 1, "minute": 52}
